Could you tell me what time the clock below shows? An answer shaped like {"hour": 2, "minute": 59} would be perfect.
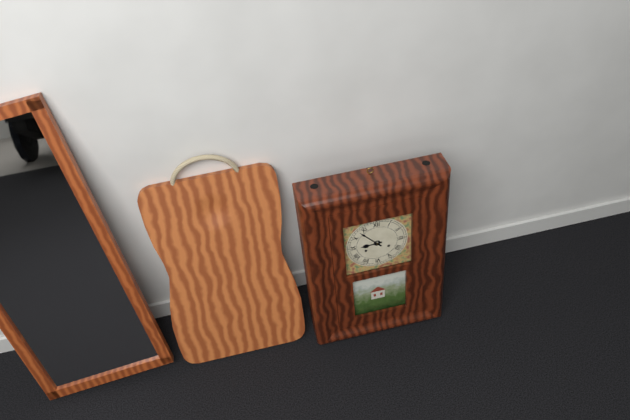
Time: {"hour": 8, "minute": 53}
